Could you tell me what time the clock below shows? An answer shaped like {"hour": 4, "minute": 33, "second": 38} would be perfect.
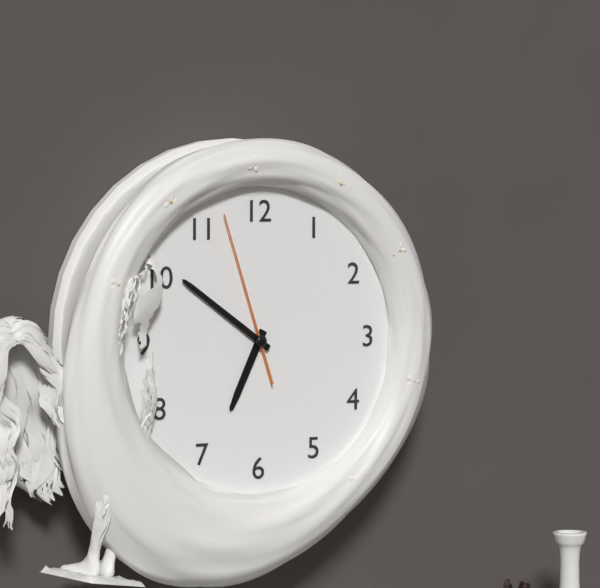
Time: {"hour": 6, "minute": 51, "second": 57}
